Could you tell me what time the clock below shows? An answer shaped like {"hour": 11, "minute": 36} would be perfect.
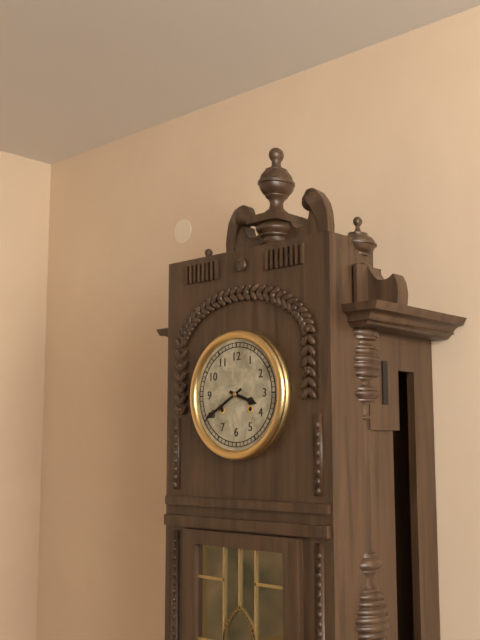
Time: {"hour": 3, "minute": 40}
